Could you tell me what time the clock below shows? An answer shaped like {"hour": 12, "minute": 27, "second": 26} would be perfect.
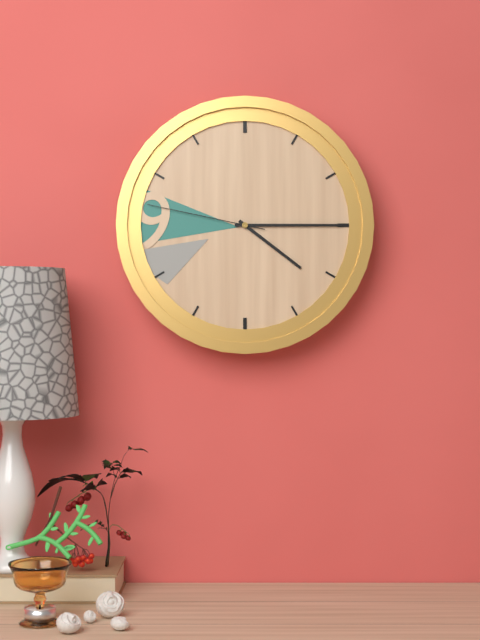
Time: {"hour": 4, "minute": 15, "second": 47}
